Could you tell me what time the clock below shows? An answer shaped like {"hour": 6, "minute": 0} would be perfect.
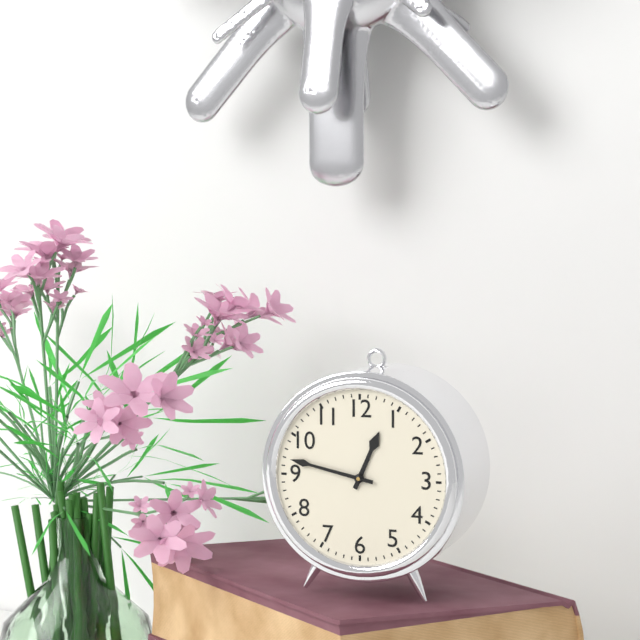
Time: {"hour": 12, "minute": 47}
